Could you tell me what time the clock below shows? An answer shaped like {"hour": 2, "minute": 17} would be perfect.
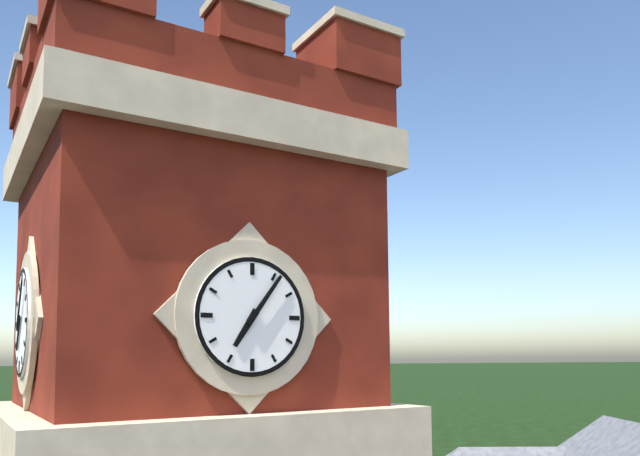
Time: {"hour": 7, "minute": 6}
